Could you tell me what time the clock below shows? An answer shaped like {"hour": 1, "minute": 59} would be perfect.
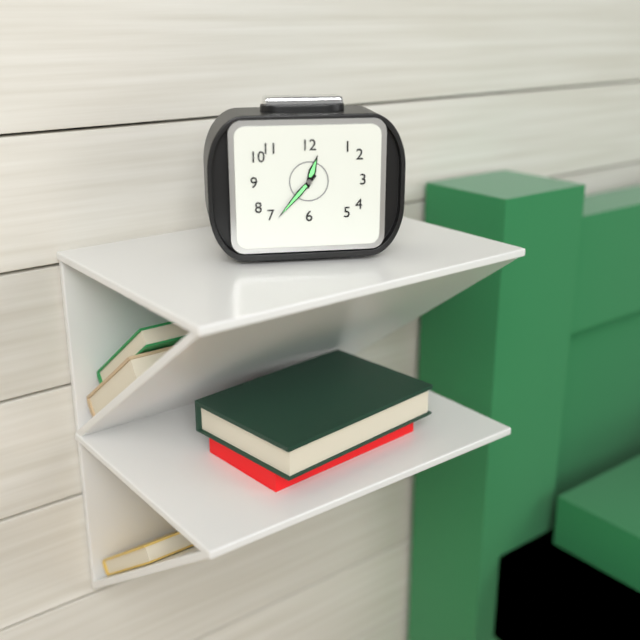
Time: {"hour": 12, "minute": 37}
